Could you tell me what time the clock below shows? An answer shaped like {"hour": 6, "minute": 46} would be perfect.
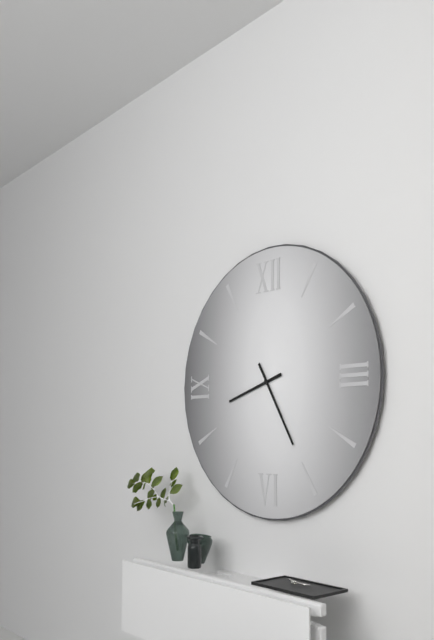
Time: {"hour": 8, "minute": 25}
